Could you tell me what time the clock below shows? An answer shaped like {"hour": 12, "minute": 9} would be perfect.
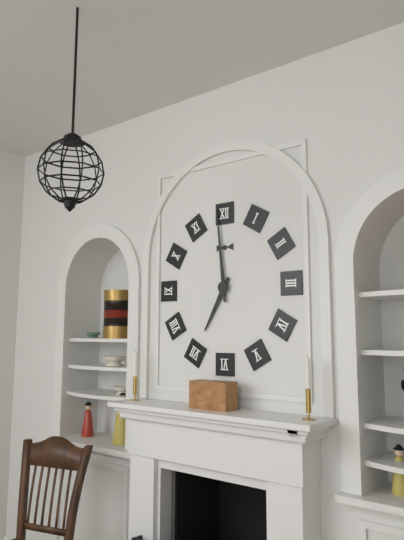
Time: {"hour": 6, "minute": 59}
